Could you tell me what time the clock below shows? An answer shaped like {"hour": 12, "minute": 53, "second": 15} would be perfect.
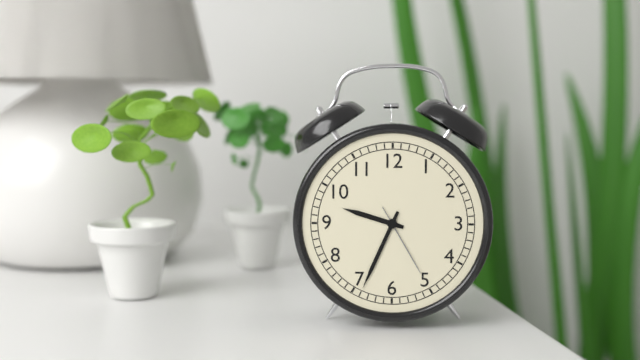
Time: {"hour": 9, "minute": 34, "second": 25}
